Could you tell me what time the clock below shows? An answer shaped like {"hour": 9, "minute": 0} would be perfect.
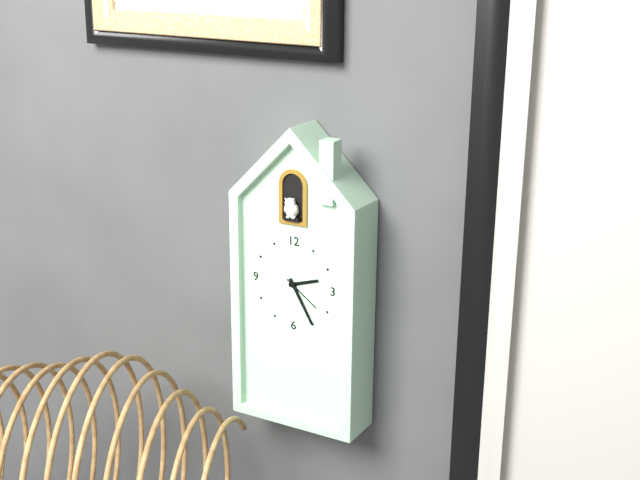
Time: {"hour": 2, "minute": 25}
